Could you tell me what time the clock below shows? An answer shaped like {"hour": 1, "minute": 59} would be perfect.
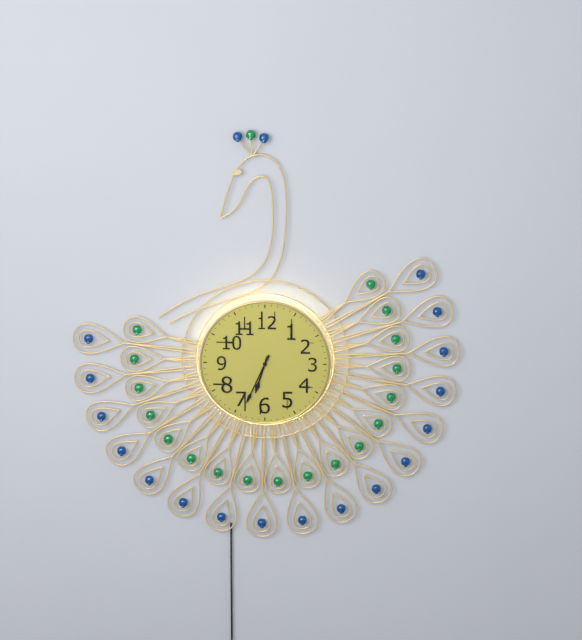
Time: {"hour": 6, "minute": 34}
